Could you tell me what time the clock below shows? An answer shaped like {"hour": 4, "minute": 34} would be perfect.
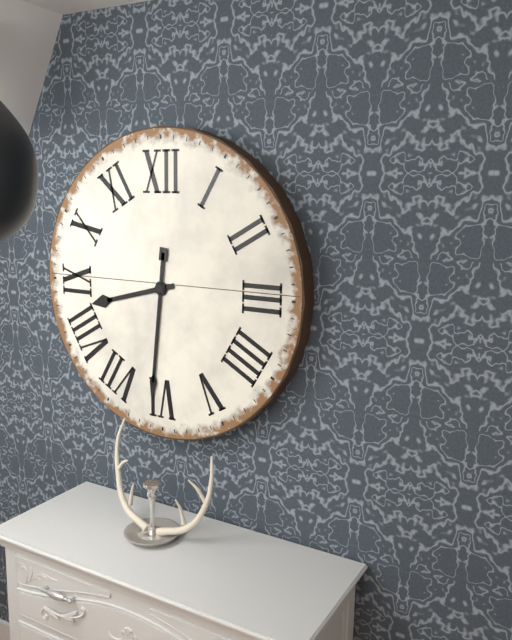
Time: {"hour": 8, "minute": 31}
